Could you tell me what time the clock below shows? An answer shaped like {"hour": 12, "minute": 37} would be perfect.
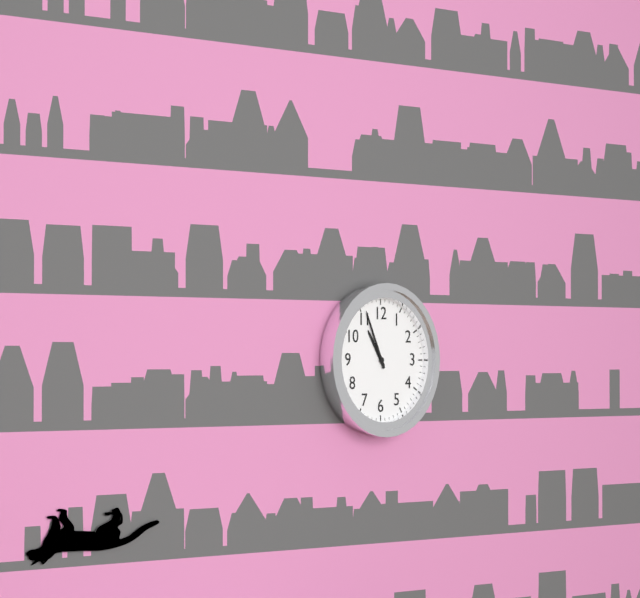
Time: {"hour": 10, "minute": 56}
